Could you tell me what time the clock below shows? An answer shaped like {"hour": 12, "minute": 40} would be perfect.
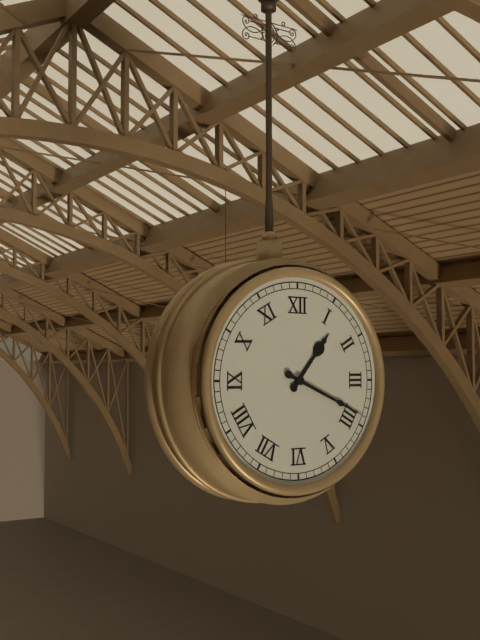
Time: {"hour": 1, "minute": 19}
